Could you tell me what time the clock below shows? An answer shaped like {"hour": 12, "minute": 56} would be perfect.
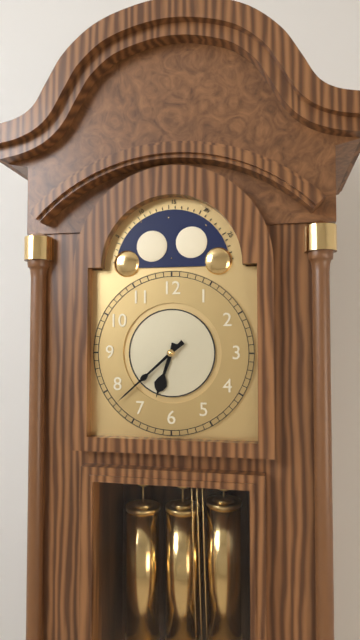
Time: {"hour": 6, "minute": 38}
